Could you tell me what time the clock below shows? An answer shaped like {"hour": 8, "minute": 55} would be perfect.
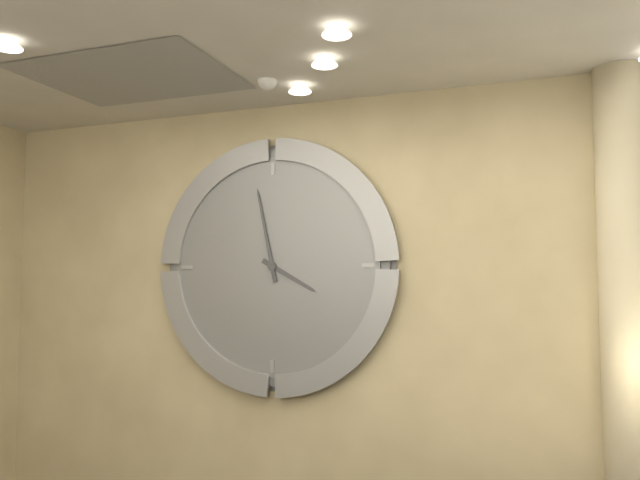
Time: {"hour": 3, "minute": 58}
